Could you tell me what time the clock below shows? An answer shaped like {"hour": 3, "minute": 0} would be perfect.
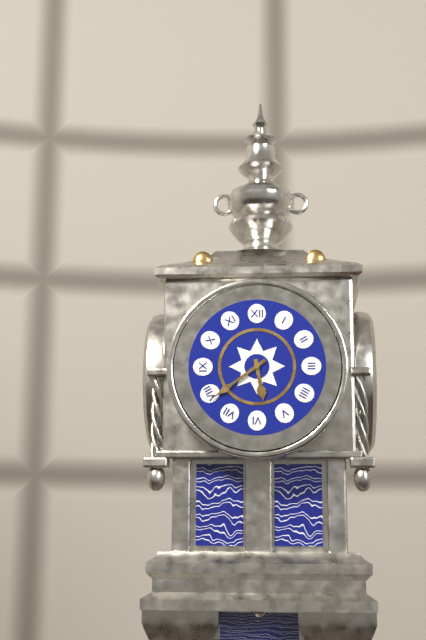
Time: {"hour": 5, "minute": 39}
